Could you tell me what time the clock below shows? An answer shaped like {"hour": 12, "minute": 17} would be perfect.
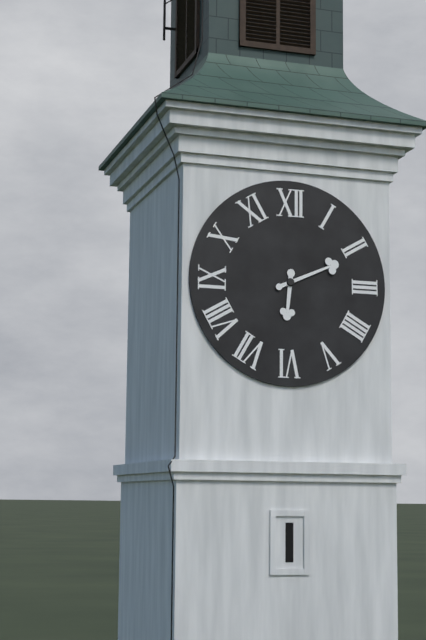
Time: {"hour": 6, "minute": 11}
